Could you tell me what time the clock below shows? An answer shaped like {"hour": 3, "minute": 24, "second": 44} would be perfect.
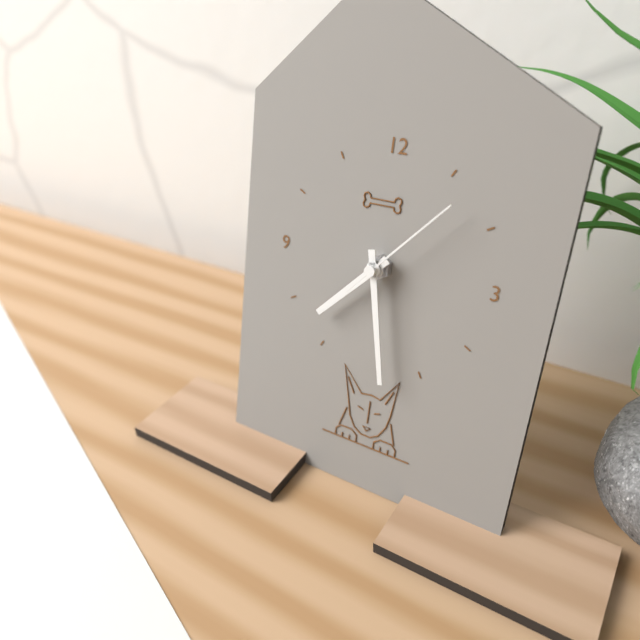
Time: {"hour": 7, "minute": 28, "second": 7}
